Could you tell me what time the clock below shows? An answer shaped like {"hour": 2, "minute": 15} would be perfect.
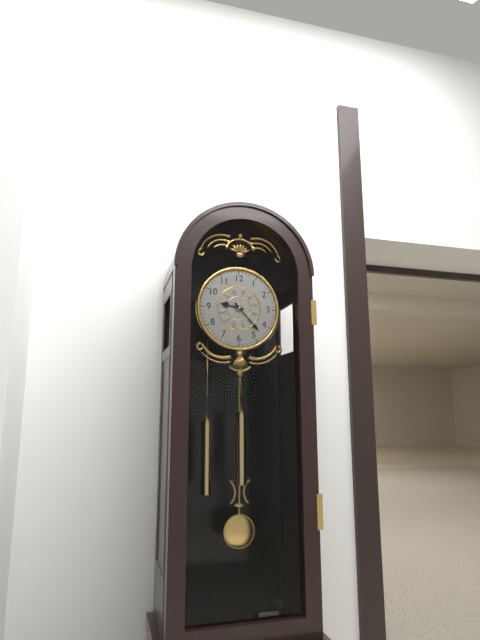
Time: {"hour": 9, "minute": 23}
